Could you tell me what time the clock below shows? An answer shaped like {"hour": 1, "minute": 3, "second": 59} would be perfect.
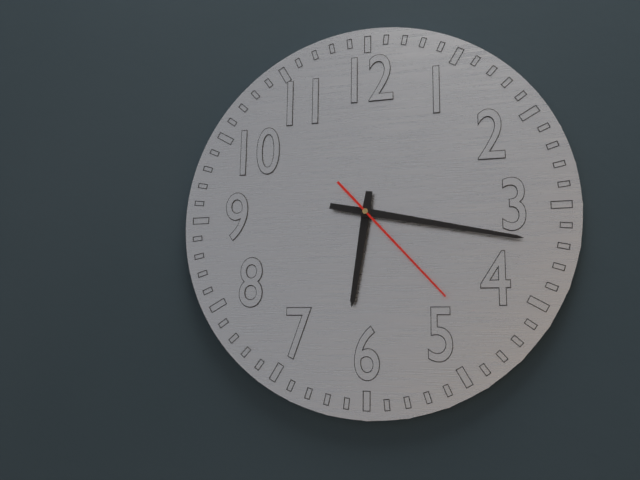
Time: {"hour": 6, "minute": 17, "second": 23}
